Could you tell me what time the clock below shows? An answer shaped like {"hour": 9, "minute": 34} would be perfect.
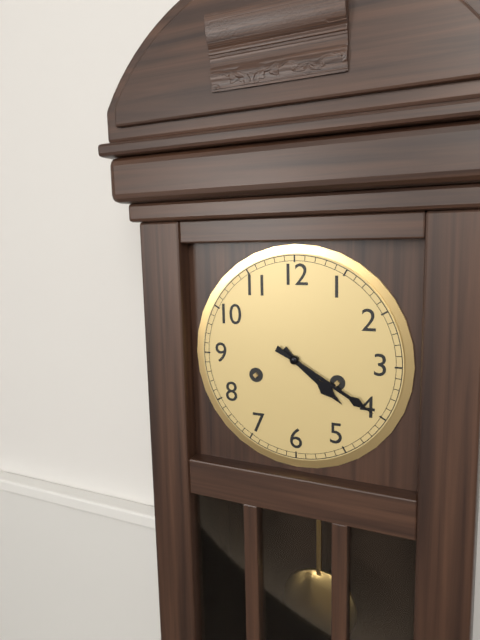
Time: {"hour": 4, "minute": 20}
